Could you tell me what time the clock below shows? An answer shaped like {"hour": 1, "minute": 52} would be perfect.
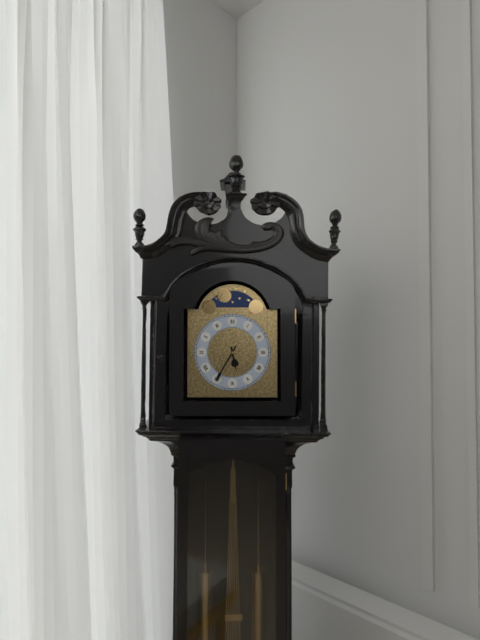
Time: {"hour": 5, "minute": 35}
